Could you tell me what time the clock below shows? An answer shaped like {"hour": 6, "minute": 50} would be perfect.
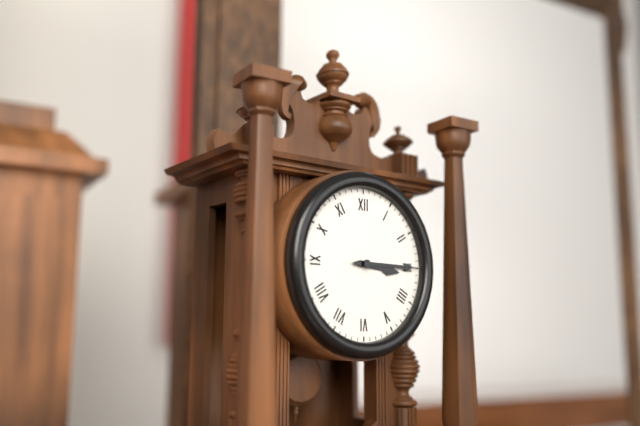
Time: {"hour": 3, "minute": 15}
